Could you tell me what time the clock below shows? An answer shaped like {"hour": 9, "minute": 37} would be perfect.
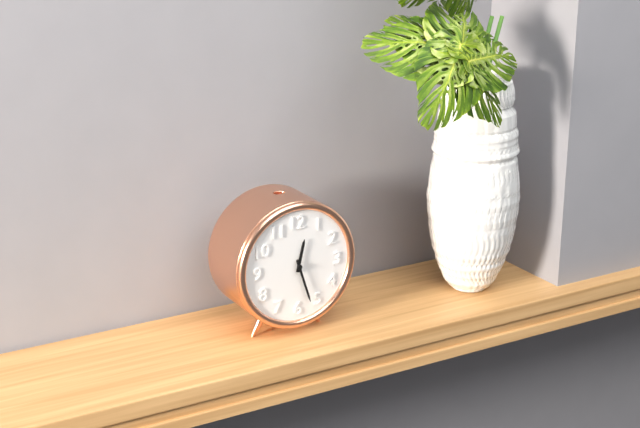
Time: {"hour": 12, "minute": 27}
